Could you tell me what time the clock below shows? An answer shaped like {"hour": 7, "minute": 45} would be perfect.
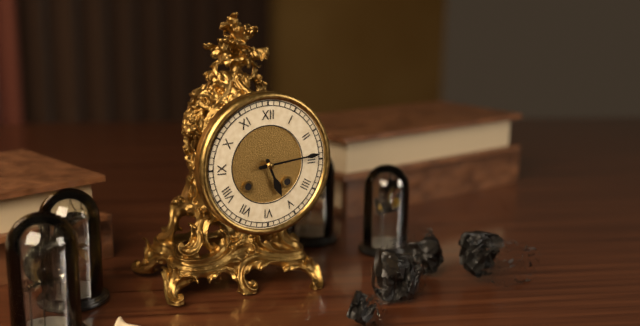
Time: {"hour": 5, "minute": 14}
